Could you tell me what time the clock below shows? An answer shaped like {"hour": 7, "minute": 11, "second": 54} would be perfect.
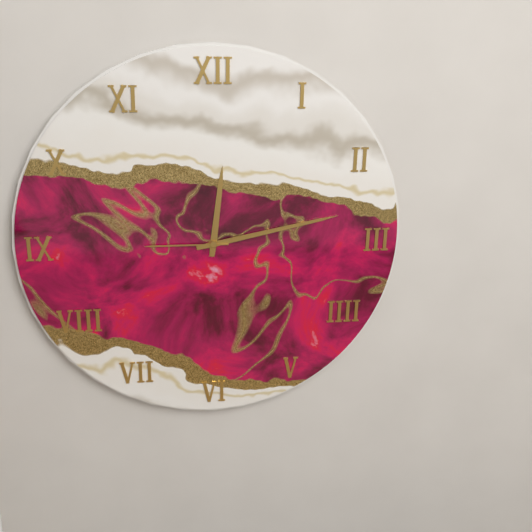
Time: {"hour": 12, "minute": 13, "second": 45}
